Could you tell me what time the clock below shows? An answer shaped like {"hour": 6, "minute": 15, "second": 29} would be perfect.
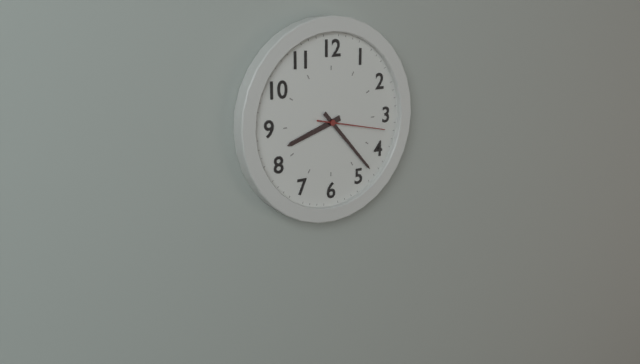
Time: {"hour": 8, "minute": 23, "second": 17}
